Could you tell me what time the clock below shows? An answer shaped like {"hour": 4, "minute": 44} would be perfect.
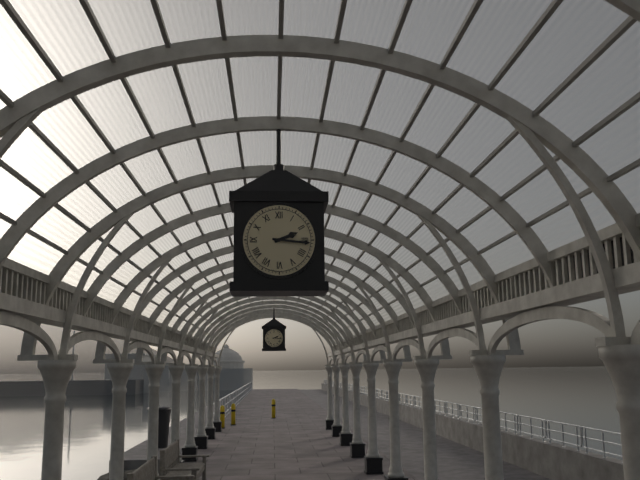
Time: {"hour": 2, "minute": 16}
